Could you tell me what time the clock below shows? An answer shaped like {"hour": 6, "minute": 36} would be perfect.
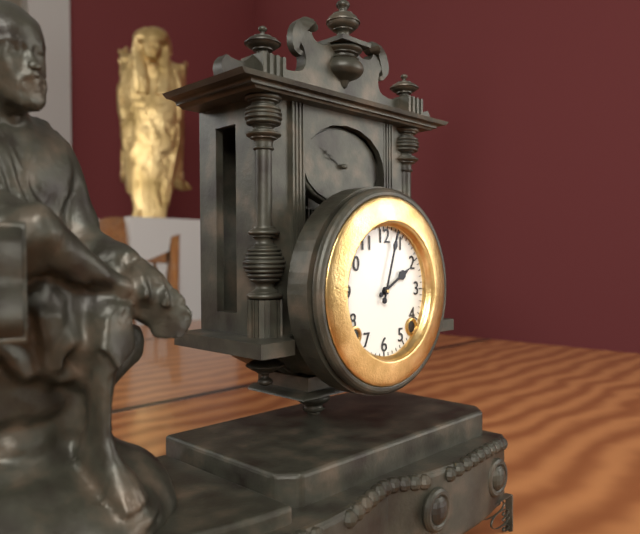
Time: {"hour": 2, "minute": 3}
